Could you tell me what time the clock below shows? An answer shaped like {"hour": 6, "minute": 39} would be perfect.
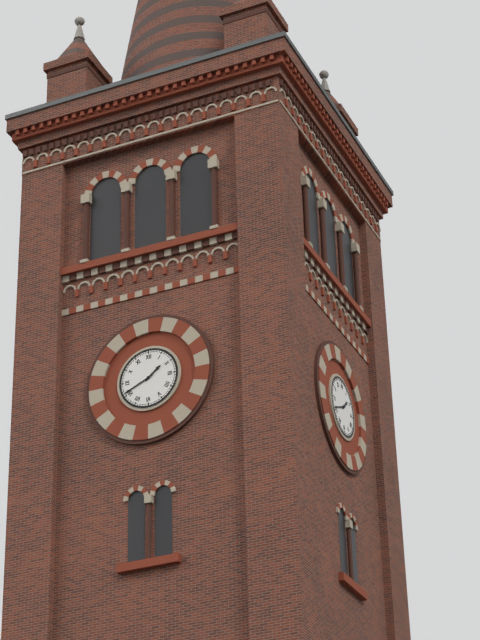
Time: {"hour": 1, "minute": 41}
